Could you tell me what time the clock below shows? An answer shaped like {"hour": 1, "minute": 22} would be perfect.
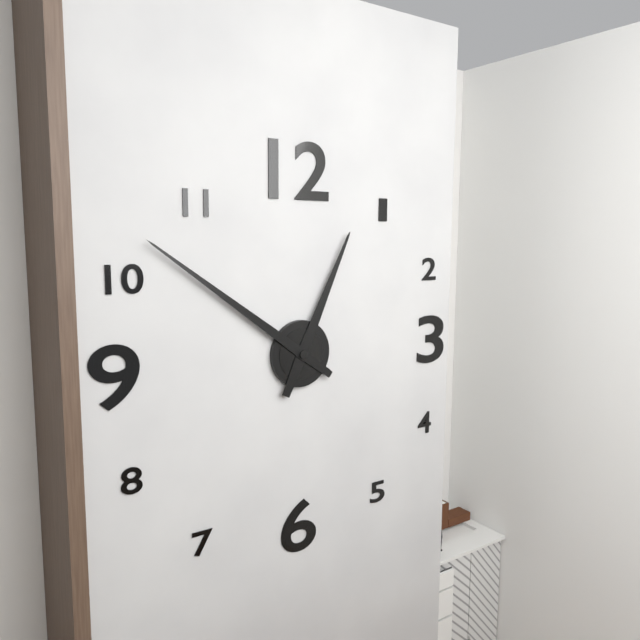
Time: {"hour": 12, "minute": 51}
